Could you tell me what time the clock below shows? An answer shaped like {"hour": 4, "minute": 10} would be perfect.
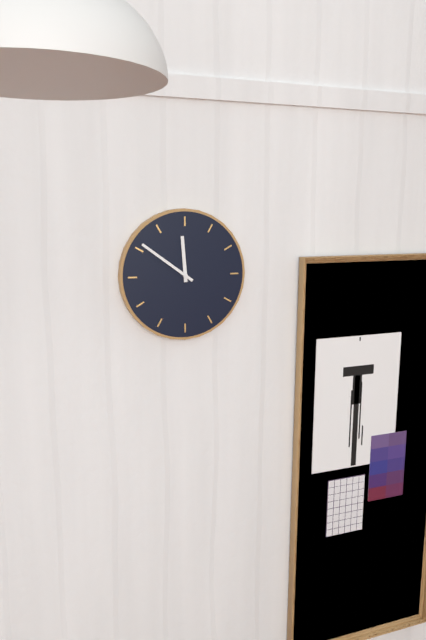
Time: {"hour": 11, "minute": 51}
